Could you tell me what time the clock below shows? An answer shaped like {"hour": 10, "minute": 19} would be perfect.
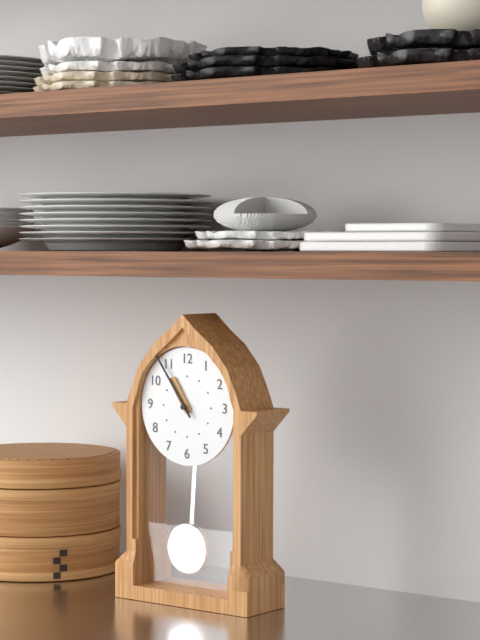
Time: {"hour": 10, "minute": 54}
